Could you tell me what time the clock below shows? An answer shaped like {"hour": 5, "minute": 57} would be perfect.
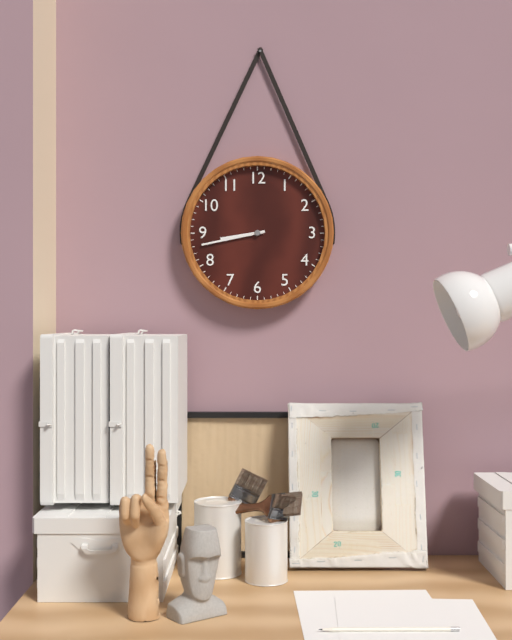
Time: {"hour": 8, "minute": 43}
